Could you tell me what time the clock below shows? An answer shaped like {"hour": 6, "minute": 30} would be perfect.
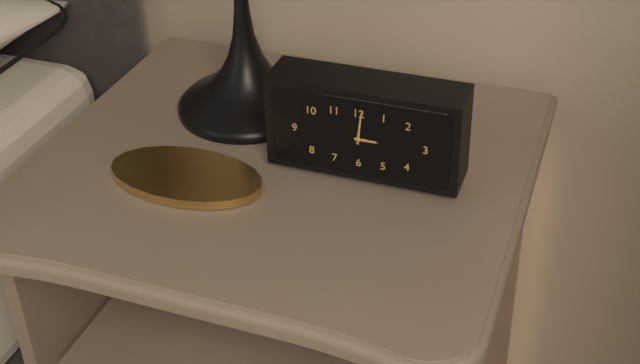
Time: {"hour": 3, "minute": 1}
